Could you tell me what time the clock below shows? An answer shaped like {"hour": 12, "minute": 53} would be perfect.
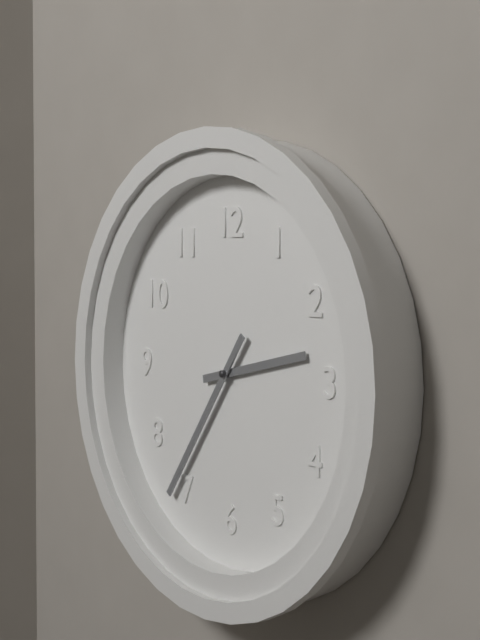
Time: {"hour": 2, "minute": 36}
